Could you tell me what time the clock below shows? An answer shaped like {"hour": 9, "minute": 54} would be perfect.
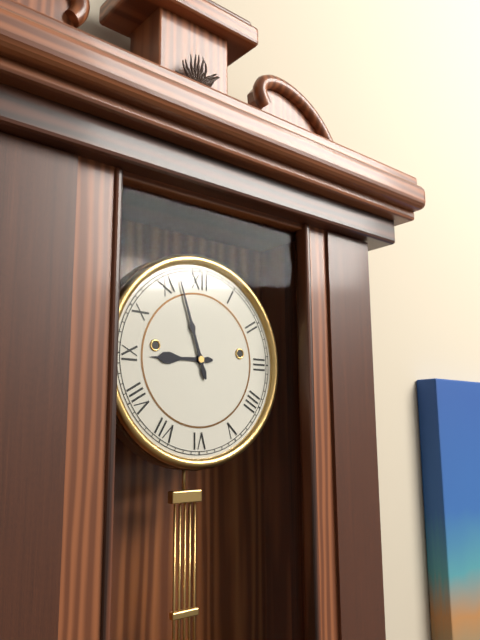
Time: {"hour": 8, "minute": 57}
